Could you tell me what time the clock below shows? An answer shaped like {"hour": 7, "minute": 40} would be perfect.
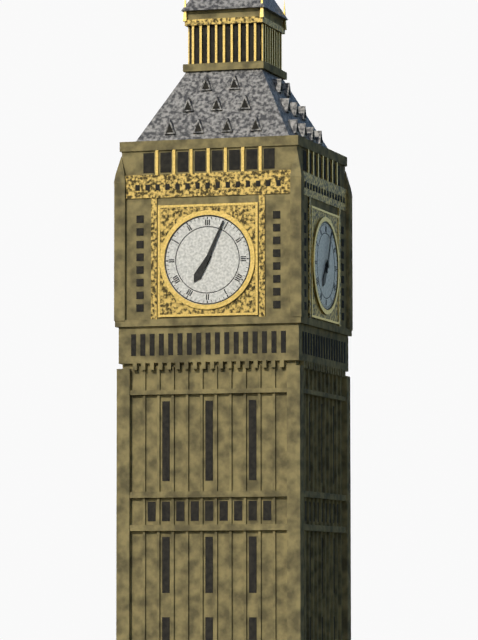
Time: {"hour": 7, "minute": 4}
